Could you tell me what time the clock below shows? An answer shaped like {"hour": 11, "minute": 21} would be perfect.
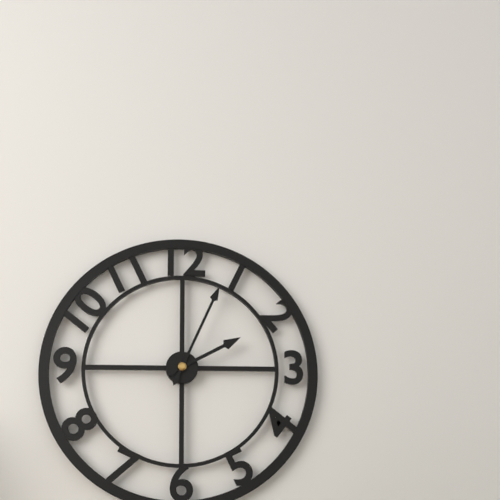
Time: {"hour": 2, "minute": 4}
